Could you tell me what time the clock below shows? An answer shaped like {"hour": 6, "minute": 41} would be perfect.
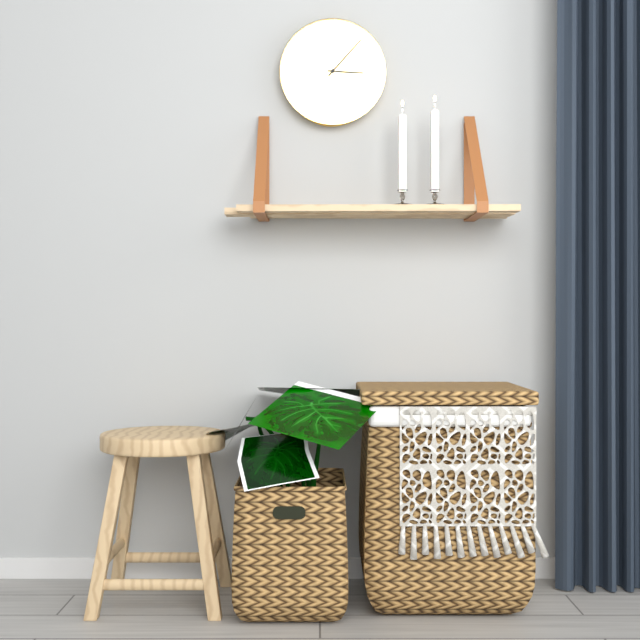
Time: {"hour": 3, "minute": 7}
